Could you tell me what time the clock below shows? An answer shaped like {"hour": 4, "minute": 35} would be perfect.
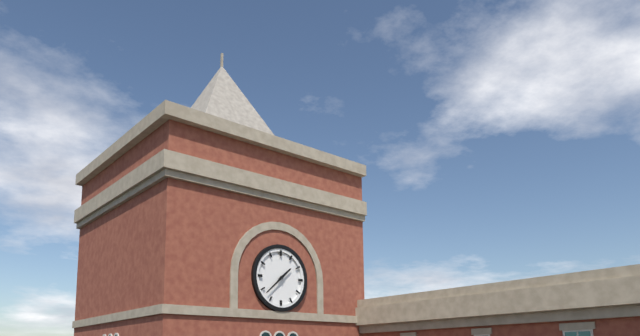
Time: {"hour": 1, "minute": 38}
